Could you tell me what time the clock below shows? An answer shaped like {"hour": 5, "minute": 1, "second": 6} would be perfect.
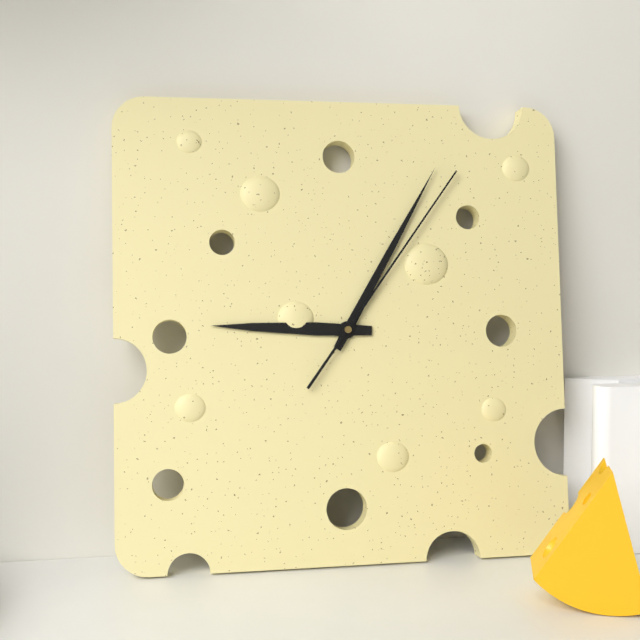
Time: {"hour": 9, "minute": 5, "second": 6}
